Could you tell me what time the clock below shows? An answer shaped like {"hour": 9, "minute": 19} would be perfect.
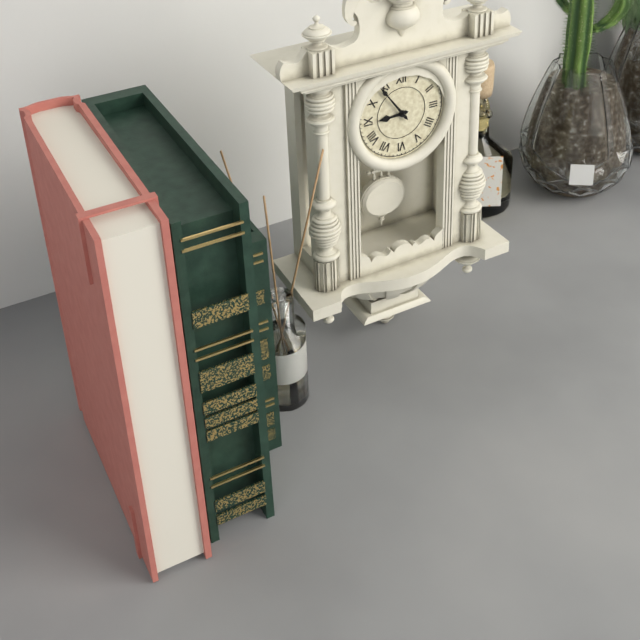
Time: {"hour": 8, "minute": 54}
